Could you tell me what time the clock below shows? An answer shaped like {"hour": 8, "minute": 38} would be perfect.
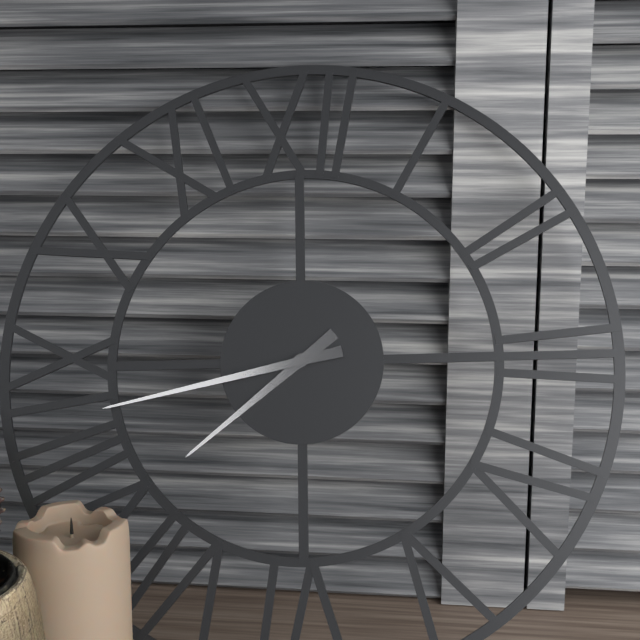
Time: {"hour": 7, "minute": 43}
